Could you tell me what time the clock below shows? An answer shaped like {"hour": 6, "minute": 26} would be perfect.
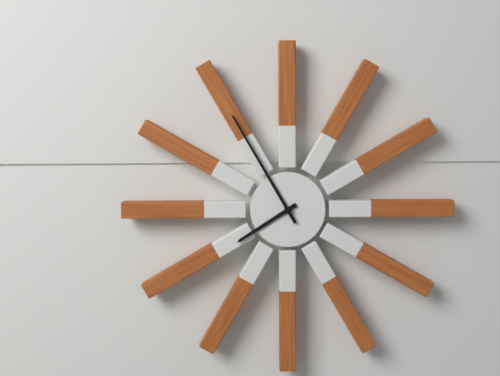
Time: {"hour": 7, "minute": 55}
